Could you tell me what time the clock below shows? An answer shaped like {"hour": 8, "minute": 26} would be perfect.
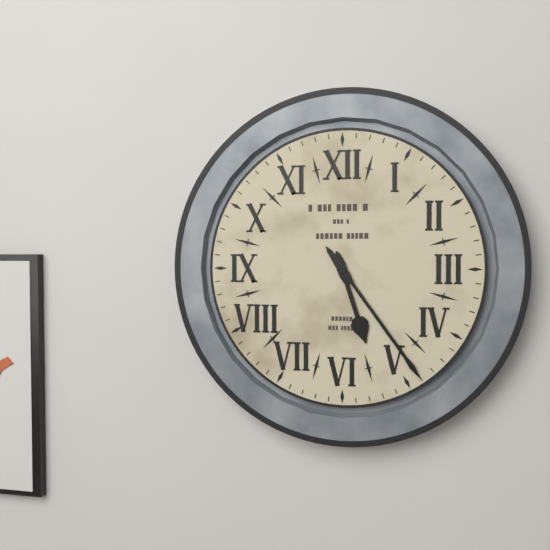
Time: {"hour": 5, "minute": 24}
